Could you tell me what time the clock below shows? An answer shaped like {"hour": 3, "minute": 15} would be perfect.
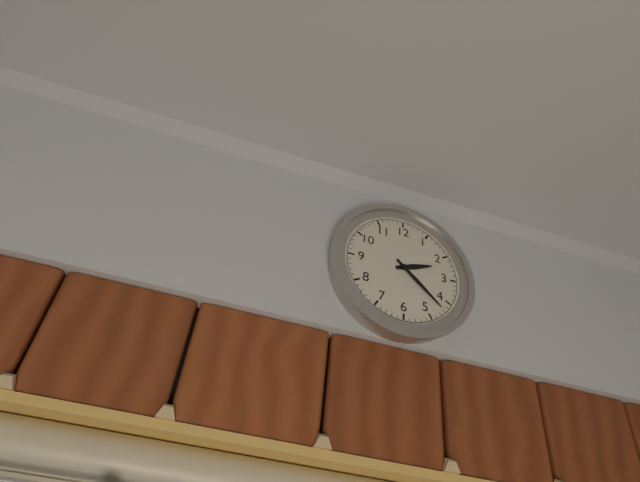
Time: {"hour": 2, "minute": 22}
